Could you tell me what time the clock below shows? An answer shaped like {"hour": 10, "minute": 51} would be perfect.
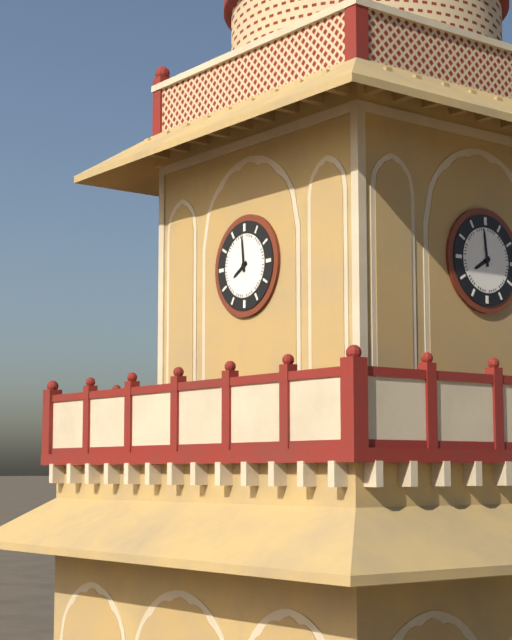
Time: {"hour": 7, "minute": 59}
